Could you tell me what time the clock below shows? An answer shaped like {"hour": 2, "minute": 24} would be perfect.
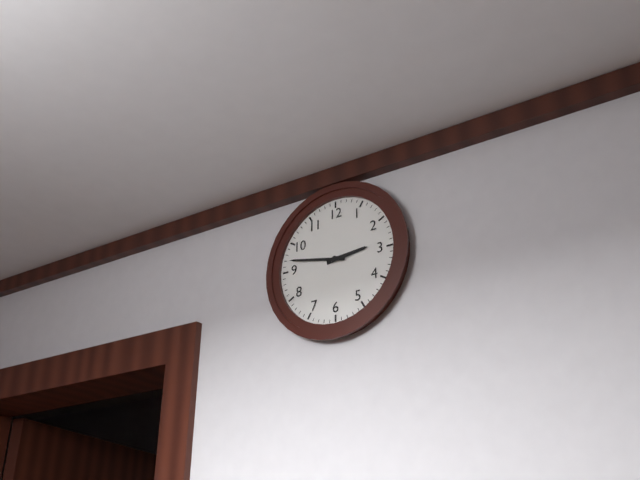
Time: {"hour": 2, "minute": 47}
